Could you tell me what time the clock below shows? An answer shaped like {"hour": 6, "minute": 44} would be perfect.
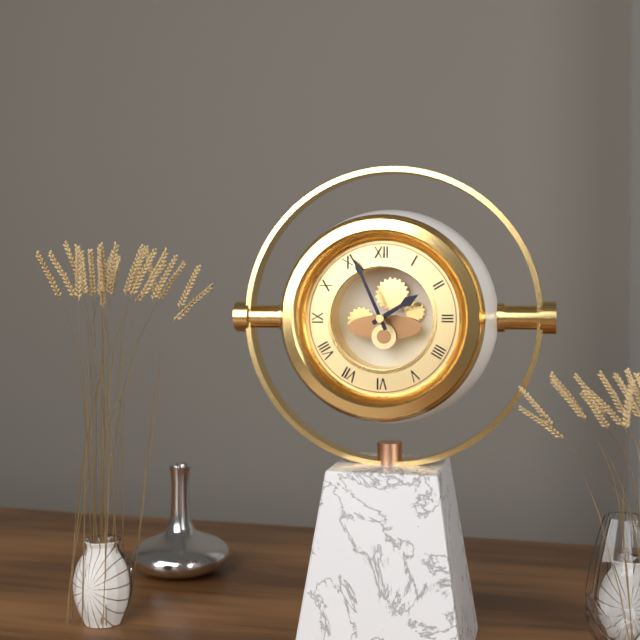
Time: {"hour": 1, "minute": 56}
